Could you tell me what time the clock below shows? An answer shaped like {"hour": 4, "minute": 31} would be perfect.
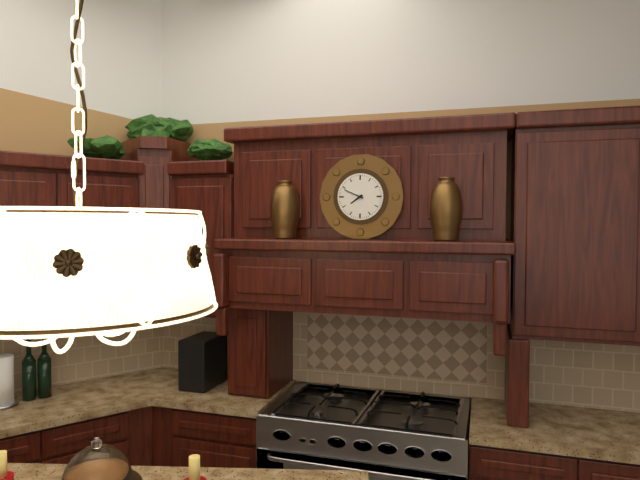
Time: {"hour": 7, "minute": 49}
